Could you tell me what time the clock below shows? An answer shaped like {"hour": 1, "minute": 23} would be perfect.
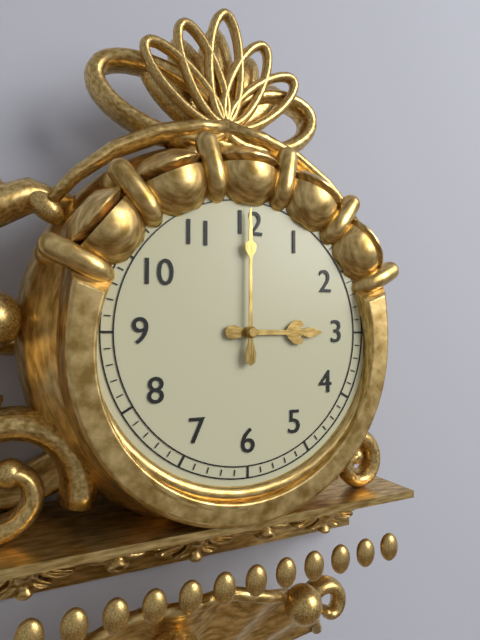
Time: {"hour": 3, "minute": 0}
